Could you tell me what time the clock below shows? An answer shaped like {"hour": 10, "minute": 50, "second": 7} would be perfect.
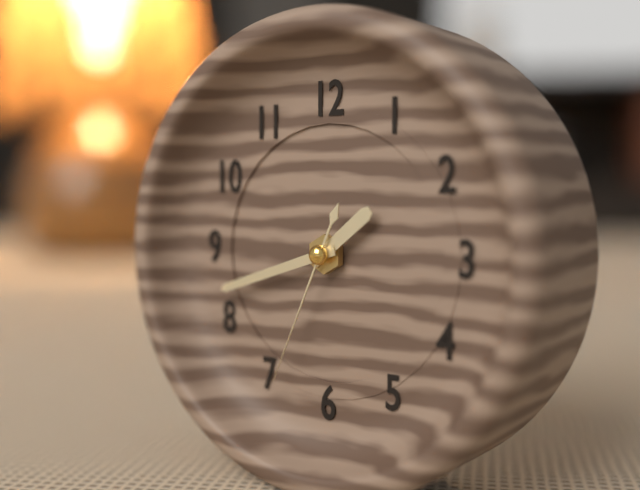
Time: {"hour": 1, "minute": 42, "second": 34}
